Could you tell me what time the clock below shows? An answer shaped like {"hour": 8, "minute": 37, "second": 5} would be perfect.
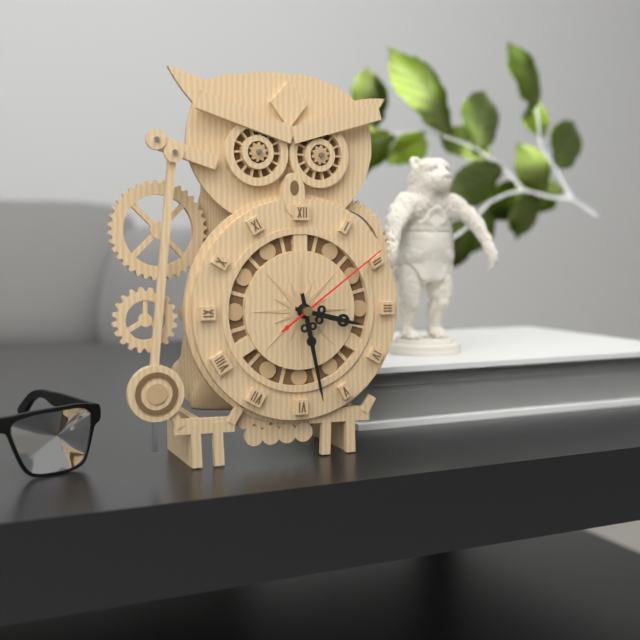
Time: {"hour": 3, "minute": 28, "second": 9}
